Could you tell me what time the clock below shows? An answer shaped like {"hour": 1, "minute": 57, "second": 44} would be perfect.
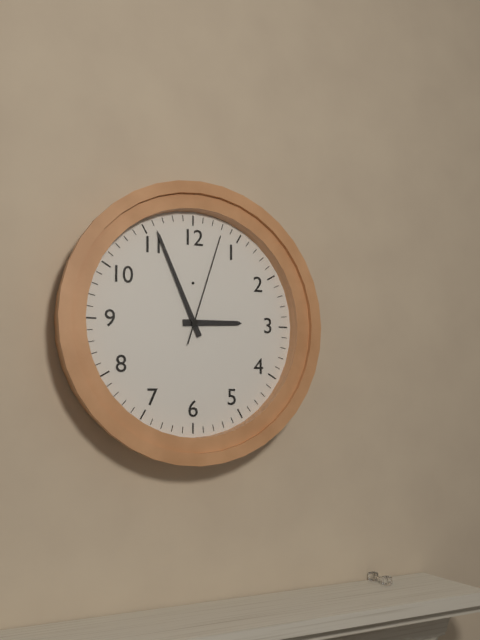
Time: {"hour": 2, "minute": 56, "second": 3}
